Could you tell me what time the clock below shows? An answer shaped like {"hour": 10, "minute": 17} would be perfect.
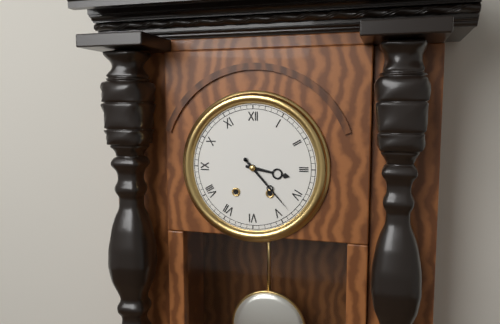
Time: {"hour": 3, "minute": 23}
